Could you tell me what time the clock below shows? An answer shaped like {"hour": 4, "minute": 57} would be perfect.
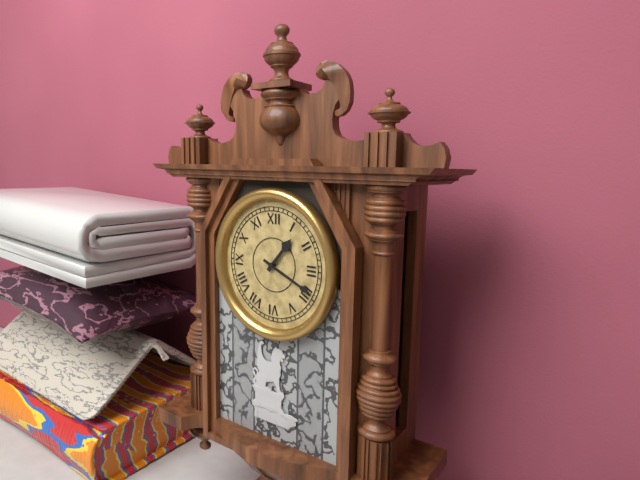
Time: {"hour": 1, "minute": 19}
